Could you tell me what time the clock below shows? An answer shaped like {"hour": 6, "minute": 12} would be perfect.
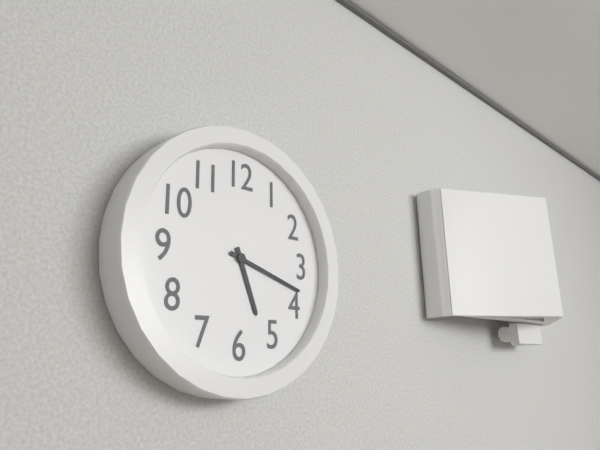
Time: {"hour": 5, "minute": 18}
